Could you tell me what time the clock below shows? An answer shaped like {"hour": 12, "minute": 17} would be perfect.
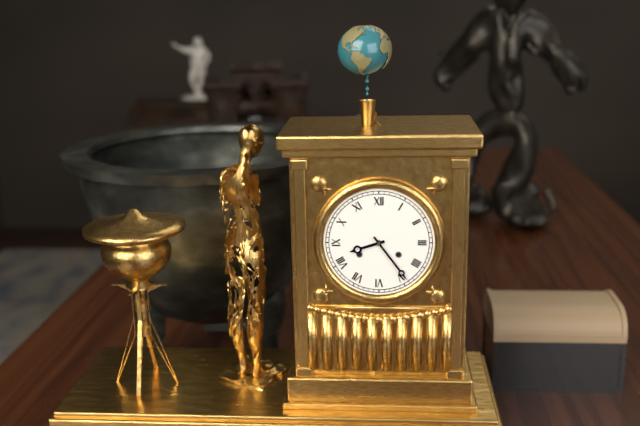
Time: {"hour": 8, "minute": 24}
